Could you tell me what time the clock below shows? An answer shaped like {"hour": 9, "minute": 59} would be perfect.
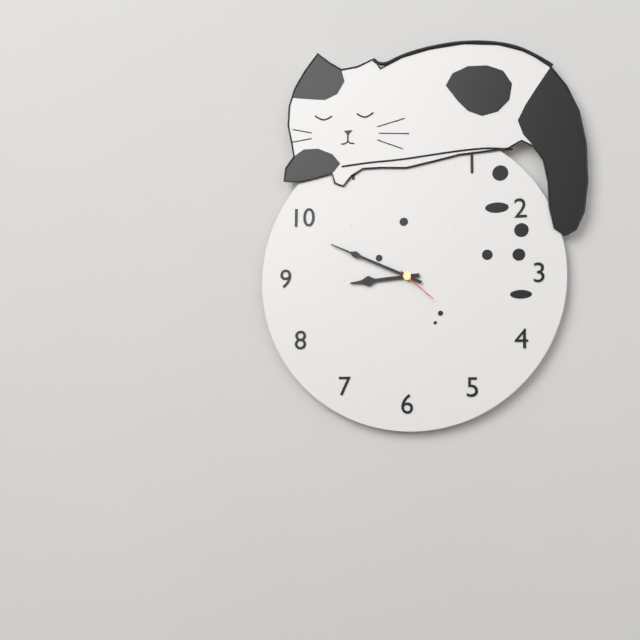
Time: {"hour": 8, "minute": 49}
